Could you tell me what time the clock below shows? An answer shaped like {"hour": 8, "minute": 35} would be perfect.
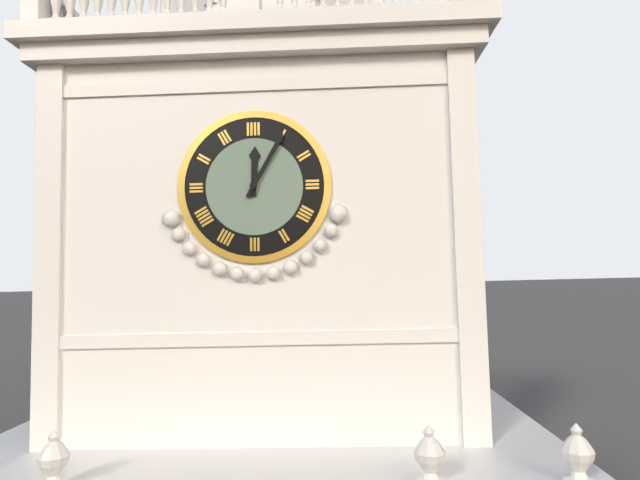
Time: {"hour": 12, "minute": 5}
